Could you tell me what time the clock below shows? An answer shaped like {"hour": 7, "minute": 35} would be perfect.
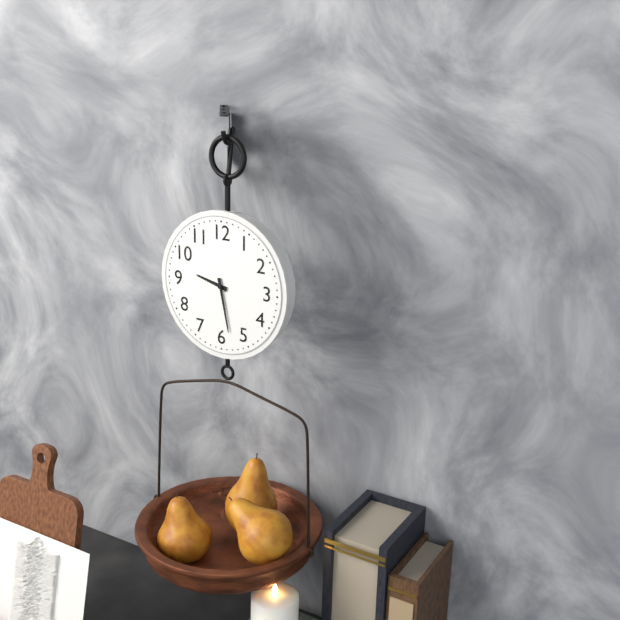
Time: {"hour": 9, "minute": 28}
